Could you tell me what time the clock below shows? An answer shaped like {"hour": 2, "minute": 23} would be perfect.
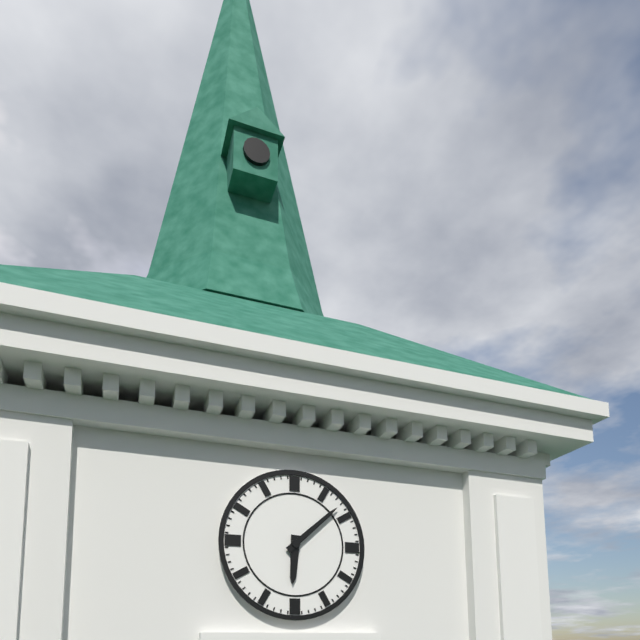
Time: {"hour": 6, "minute": 8}
